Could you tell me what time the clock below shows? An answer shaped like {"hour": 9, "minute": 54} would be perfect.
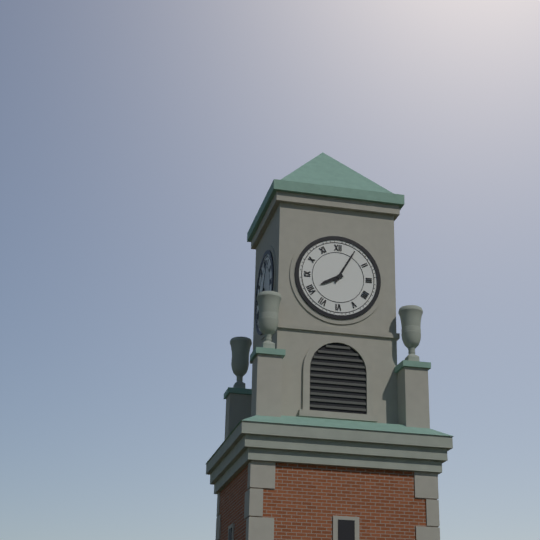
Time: {"hour": 8, "minute": 5}
